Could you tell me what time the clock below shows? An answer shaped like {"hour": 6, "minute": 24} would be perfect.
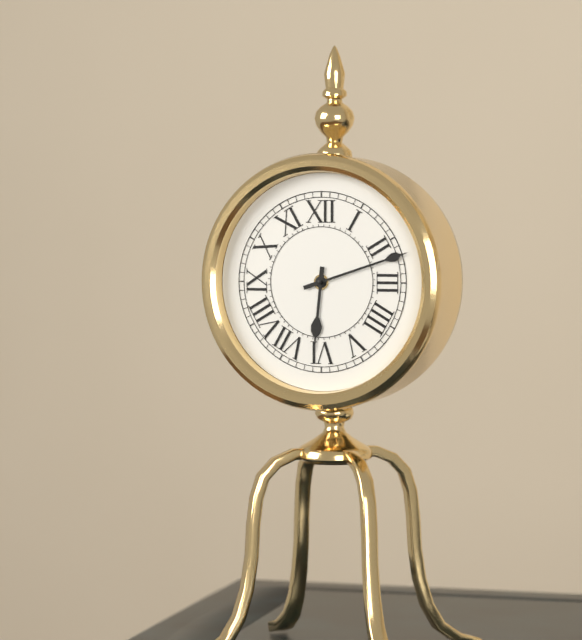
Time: {"hour": 6, "minute": 12}
